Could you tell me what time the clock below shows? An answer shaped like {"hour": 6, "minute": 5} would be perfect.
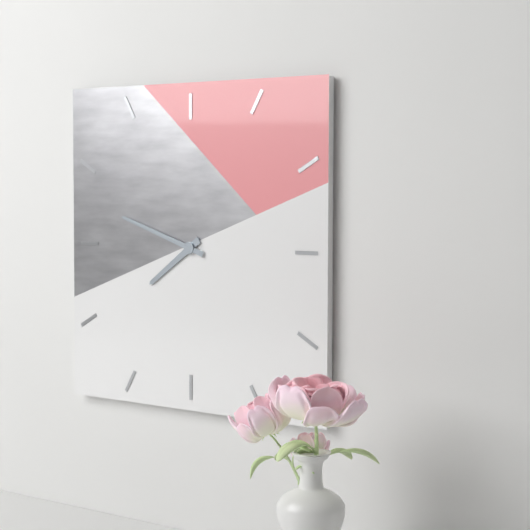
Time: {"hour": 7, "minute": 48}
